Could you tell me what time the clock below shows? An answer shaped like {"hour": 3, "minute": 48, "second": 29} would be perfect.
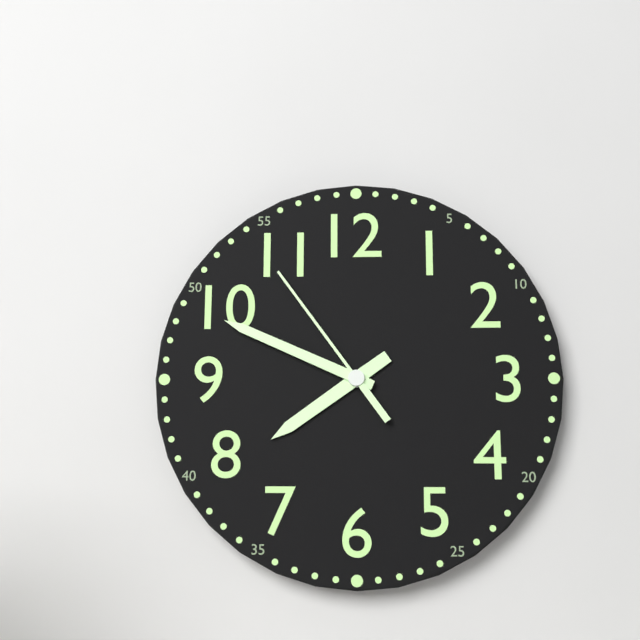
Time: {"hour": 7, "minute": 49, "second": 54}
